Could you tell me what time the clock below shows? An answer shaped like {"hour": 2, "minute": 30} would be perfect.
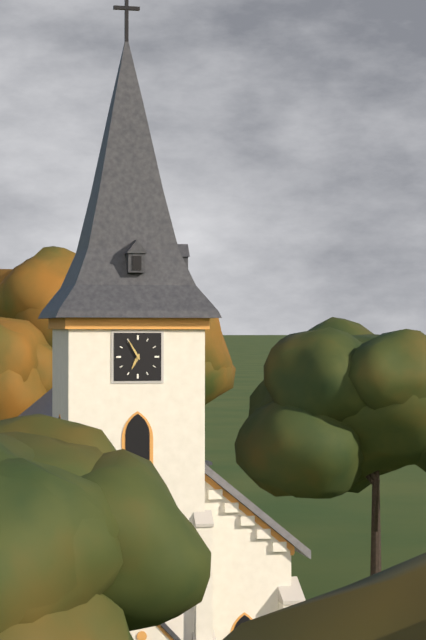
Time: {"hour": 6, "minute": 55}
